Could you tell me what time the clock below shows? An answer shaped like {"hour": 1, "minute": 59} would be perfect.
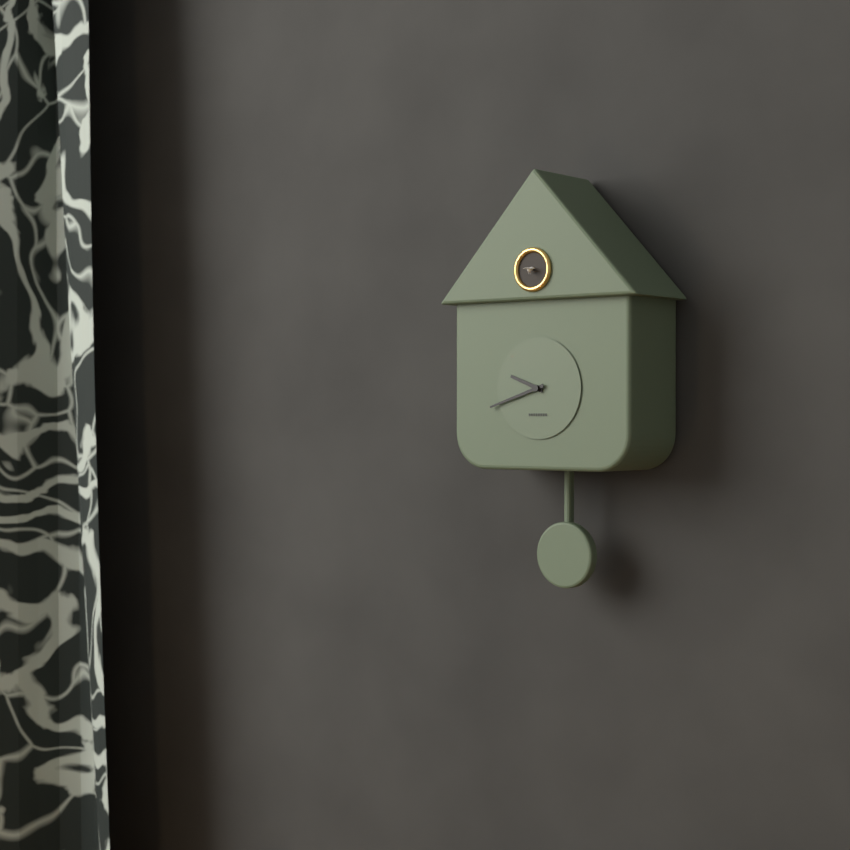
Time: {"hour": 9, "minute": 42}
